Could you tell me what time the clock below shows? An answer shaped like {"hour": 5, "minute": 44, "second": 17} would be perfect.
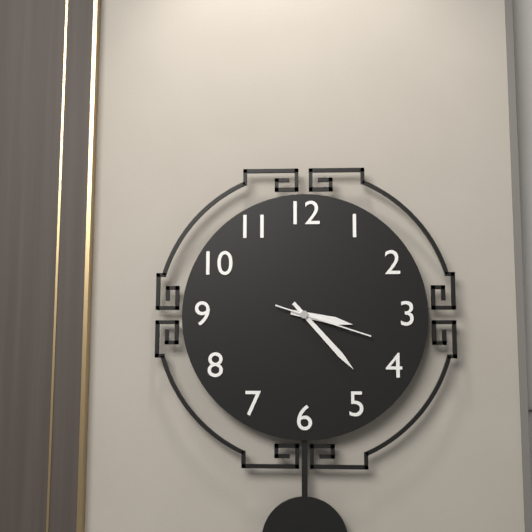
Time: {"hour": 3, "minute": 23, "second": 18}
